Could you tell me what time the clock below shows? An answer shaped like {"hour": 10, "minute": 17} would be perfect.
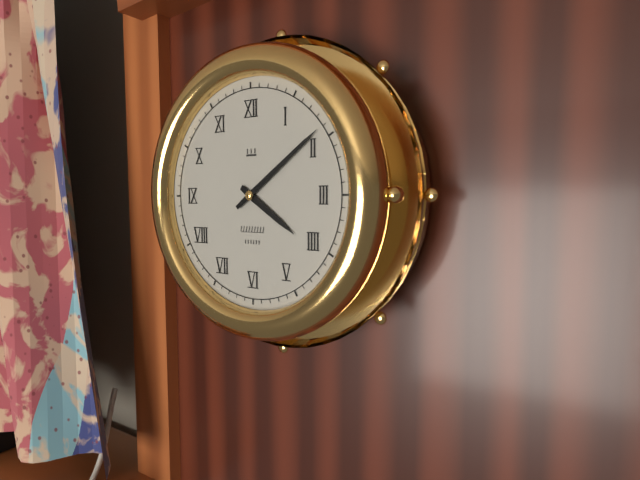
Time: {"hour": 4, "minute": 9}
